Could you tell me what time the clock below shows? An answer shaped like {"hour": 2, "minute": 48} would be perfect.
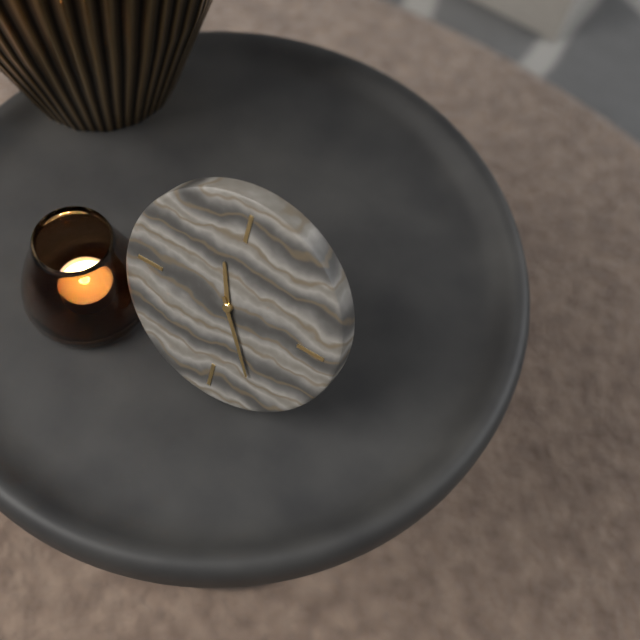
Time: {"hour": 11, "minute": 25}
